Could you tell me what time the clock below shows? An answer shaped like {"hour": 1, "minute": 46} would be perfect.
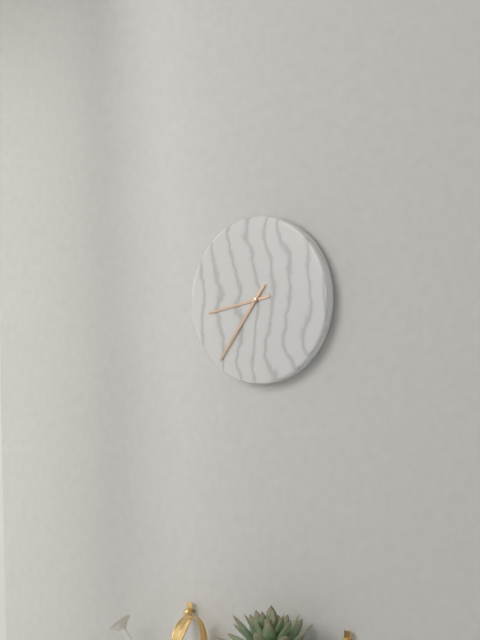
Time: {"hour": 8, "minute": 36}
